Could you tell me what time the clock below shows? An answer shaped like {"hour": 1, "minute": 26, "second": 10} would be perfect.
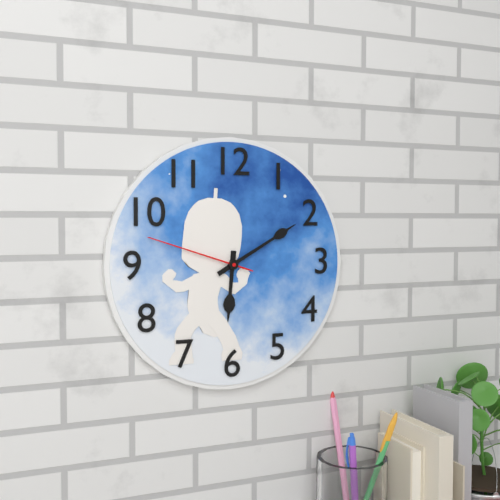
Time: {"hour": 6, "minute": 10, "second": 48}
